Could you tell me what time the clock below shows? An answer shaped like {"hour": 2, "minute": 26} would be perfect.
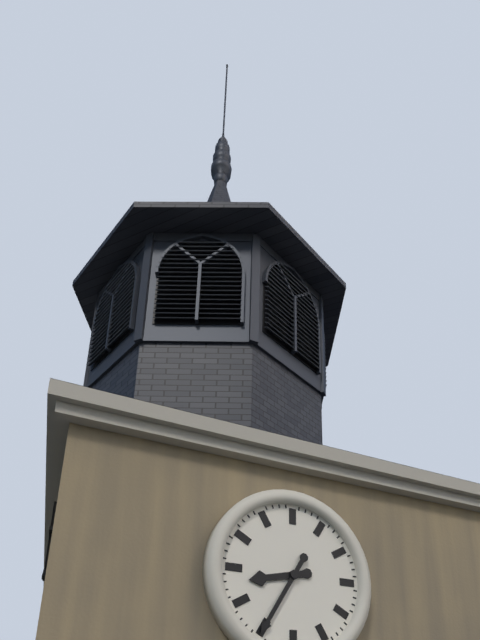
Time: {"hour": 8, "minute": 35}
